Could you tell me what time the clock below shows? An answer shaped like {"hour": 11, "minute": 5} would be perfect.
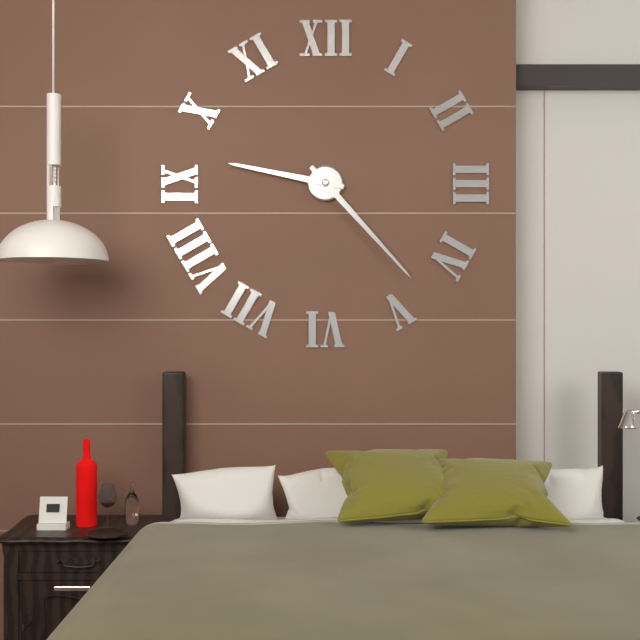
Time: {"hour": 9, "minute": 23}
